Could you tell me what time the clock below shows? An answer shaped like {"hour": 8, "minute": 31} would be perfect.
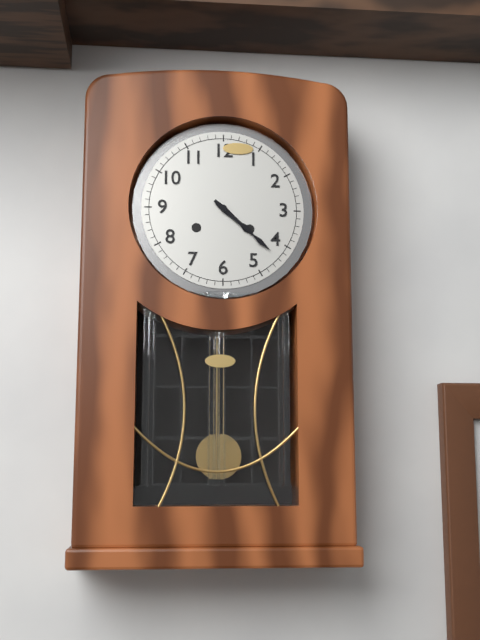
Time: {"hour": 4, "minute": 22}
